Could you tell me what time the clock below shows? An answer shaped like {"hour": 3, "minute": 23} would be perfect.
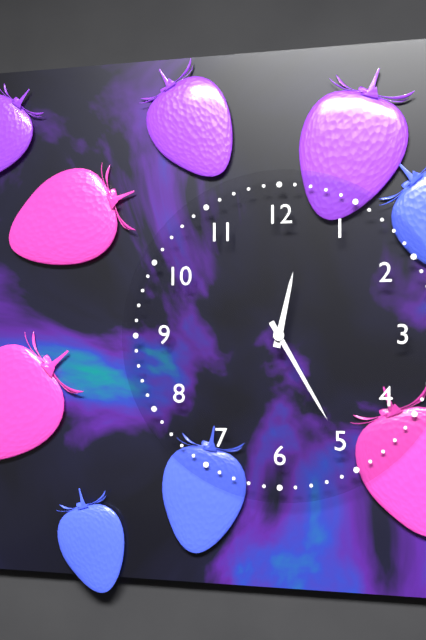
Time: {"hour": 12, "minute": 25}
